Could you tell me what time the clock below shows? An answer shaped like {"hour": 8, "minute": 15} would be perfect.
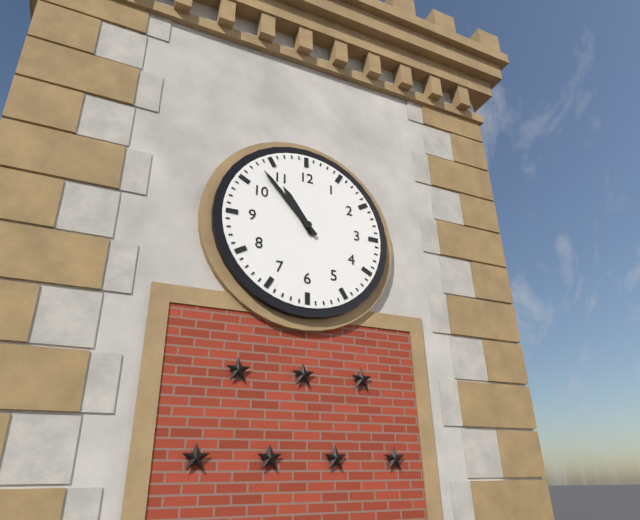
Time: {"hour": 10, "minute": 53}
